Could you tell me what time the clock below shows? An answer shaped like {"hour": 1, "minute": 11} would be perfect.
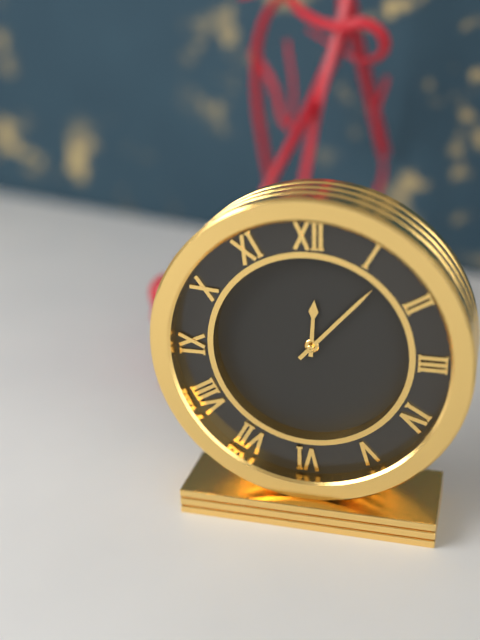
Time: {"hour": 12, "minute": 7}
